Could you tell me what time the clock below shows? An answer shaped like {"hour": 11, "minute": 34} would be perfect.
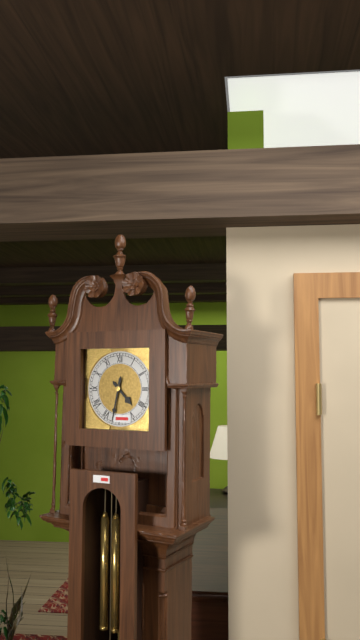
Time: {"hour": 4, "minute": 32}
